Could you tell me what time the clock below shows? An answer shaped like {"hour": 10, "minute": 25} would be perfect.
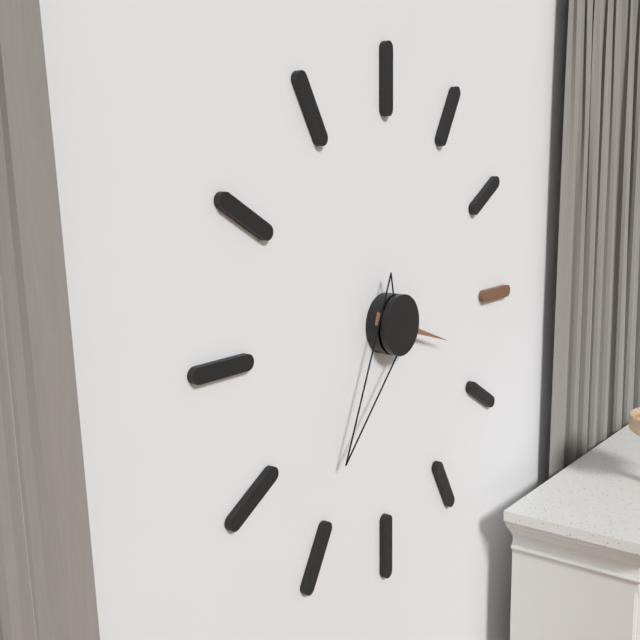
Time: {"hour": 3, "minute": 36}
